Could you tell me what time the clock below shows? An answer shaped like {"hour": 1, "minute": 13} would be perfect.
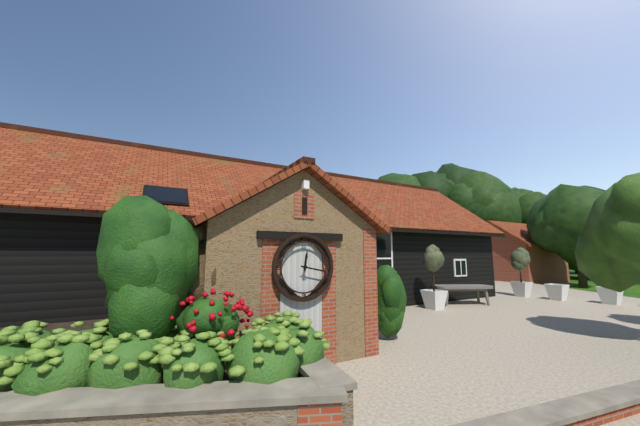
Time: {"hour": 12, "minute": 17}
